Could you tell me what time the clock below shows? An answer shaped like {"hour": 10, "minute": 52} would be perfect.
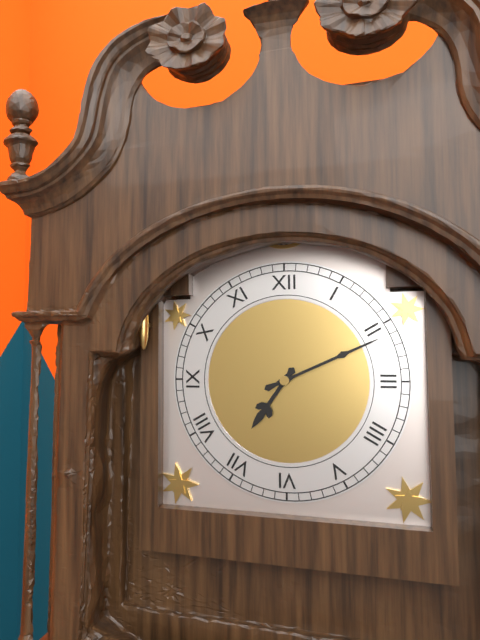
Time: {"hour": 7, "minute": 11}
